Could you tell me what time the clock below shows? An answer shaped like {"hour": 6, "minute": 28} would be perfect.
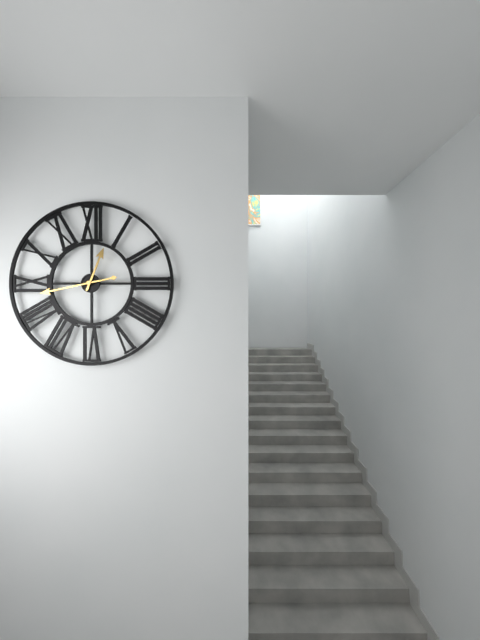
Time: {"hour": 12, "minute": 43}
